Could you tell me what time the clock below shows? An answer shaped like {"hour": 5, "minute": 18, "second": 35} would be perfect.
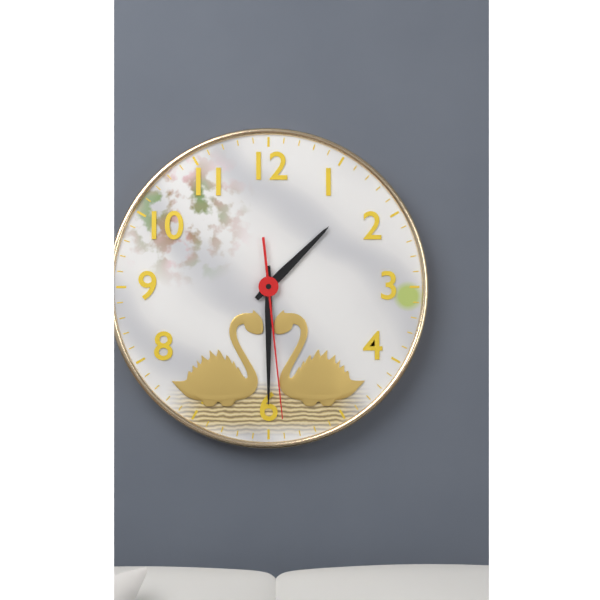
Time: {"hour": 1, "minute": 30, "second": 29}
